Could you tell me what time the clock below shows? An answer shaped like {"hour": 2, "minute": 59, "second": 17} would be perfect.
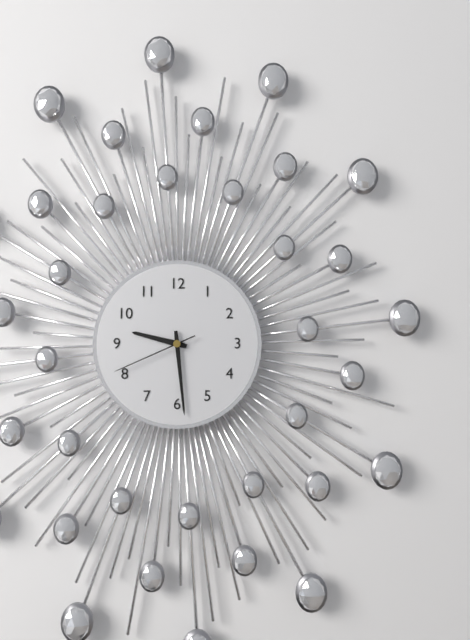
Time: {"hour": 9, "minute": 29, "second": 41}
